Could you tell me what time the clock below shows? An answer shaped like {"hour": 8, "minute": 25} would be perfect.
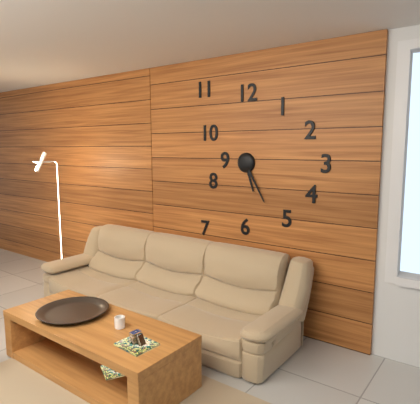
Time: {"hour": 5, "minute": 25}
